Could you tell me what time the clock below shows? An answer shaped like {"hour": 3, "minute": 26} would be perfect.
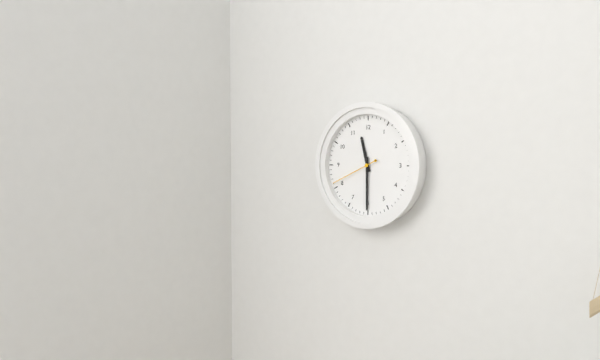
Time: {"hour": 11, "minute": 30}
